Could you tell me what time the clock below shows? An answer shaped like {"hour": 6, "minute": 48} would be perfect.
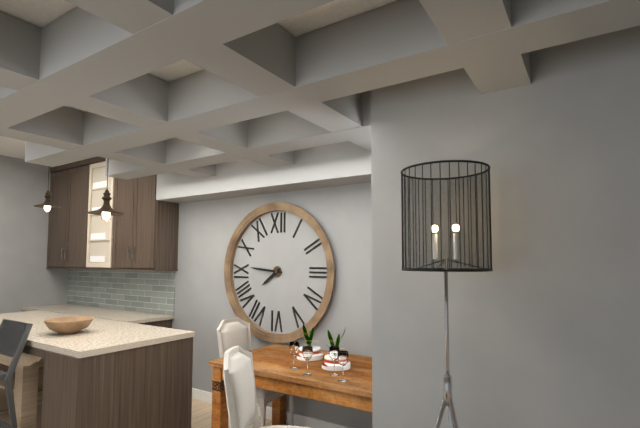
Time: {"hour": 7, "minute": 46}
